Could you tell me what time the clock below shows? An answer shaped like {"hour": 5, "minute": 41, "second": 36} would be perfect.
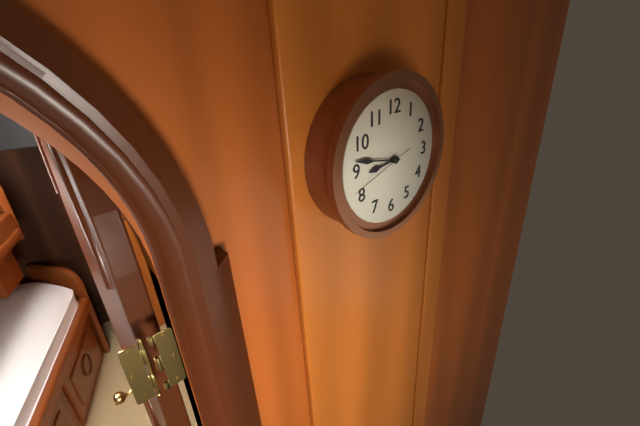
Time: {"hour": 8, "minute": 47, "second": 42}
